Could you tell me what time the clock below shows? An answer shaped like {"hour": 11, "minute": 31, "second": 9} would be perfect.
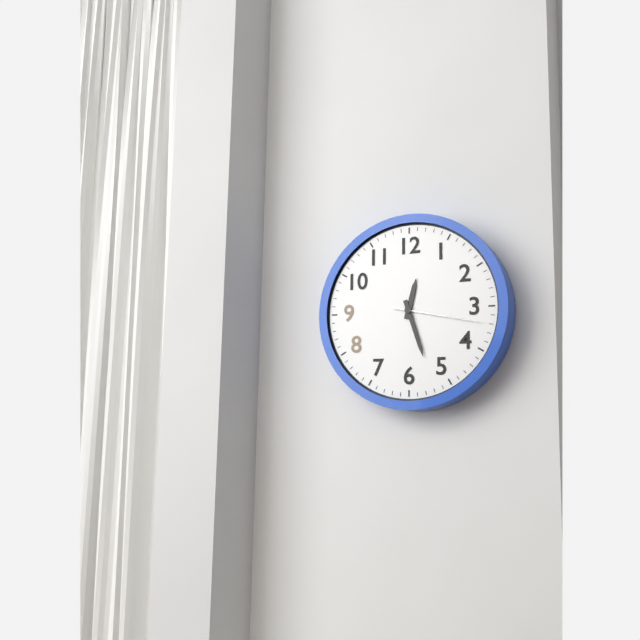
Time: {"hour": 12, "minute": 27, "second": 17}
